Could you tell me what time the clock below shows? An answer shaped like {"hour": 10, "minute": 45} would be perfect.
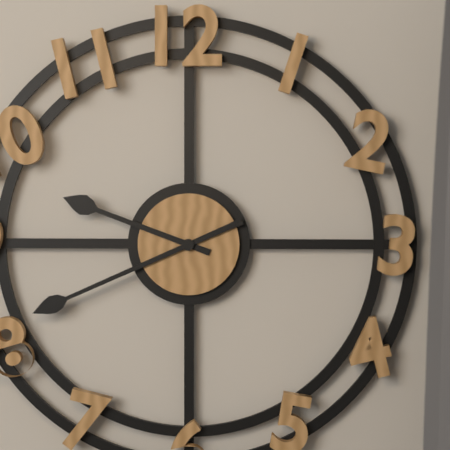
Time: {"hour": 9, "minute": 41}
